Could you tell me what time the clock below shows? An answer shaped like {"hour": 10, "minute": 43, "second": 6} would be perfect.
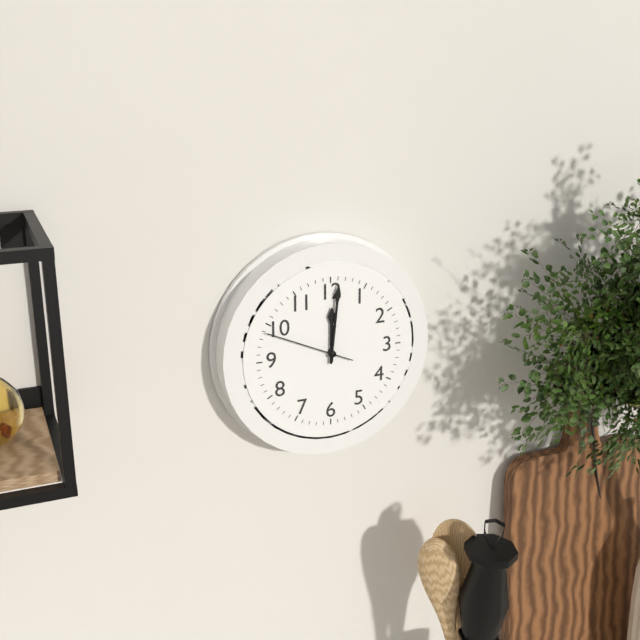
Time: {"hour": 12, "minute": 1, "second": 49}
